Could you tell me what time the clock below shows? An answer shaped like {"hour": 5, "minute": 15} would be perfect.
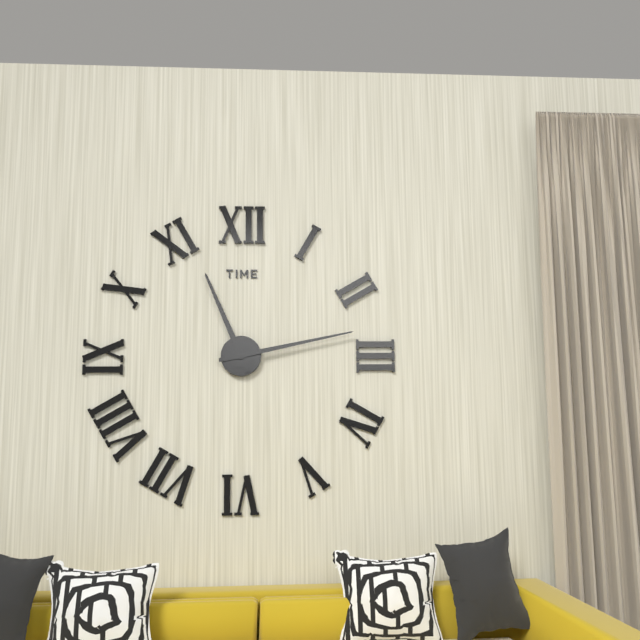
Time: {"hour": 11, "minute": 13}
